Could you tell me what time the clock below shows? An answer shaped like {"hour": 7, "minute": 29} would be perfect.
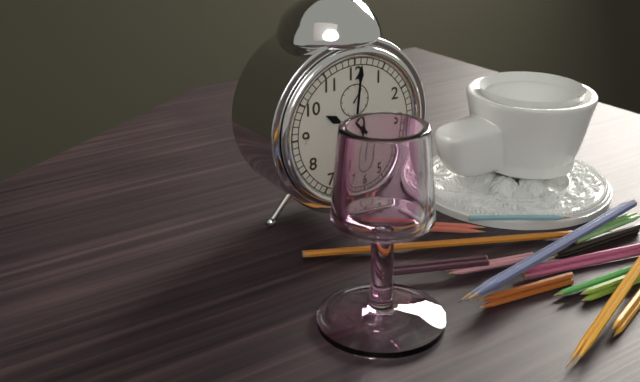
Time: {"hour": 10, "minute": 1}
